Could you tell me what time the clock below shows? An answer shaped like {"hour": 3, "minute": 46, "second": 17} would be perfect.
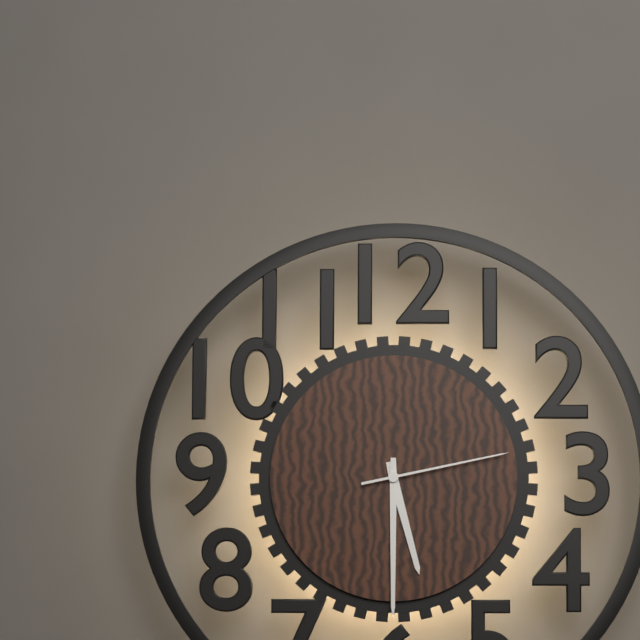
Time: {"hour": 5, "minute": 30, "second": 13}
